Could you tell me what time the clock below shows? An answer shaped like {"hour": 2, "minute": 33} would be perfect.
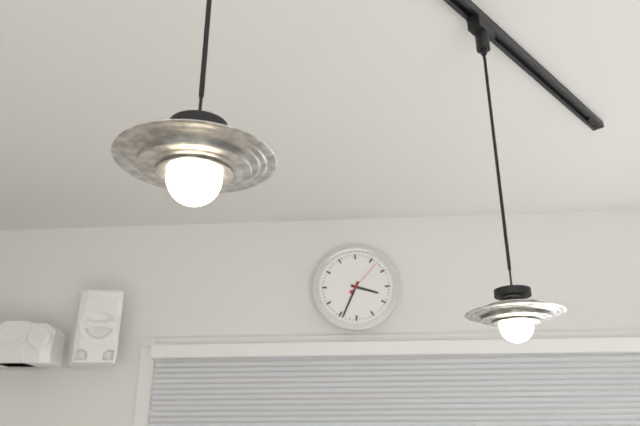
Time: {"hour": 3, "minute": 34}
